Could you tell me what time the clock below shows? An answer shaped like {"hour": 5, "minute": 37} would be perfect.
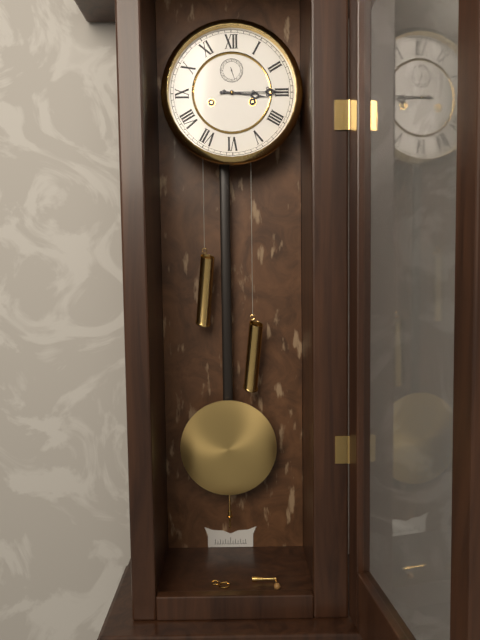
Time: {"hour": 3, "minute": 15}
